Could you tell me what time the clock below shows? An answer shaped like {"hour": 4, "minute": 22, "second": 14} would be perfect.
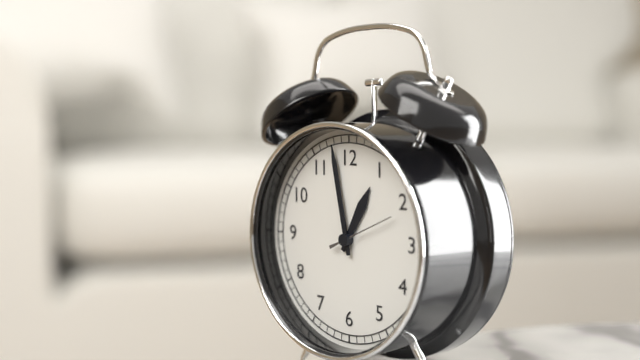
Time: {"hour": 12, "minute": 58, "second": 11}
